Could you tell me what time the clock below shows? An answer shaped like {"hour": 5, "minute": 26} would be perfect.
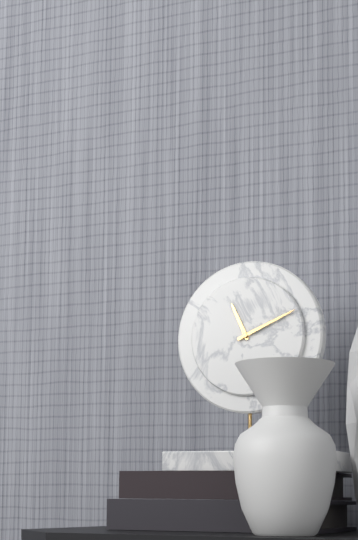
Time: {"hour": 11, "minute": 11}
